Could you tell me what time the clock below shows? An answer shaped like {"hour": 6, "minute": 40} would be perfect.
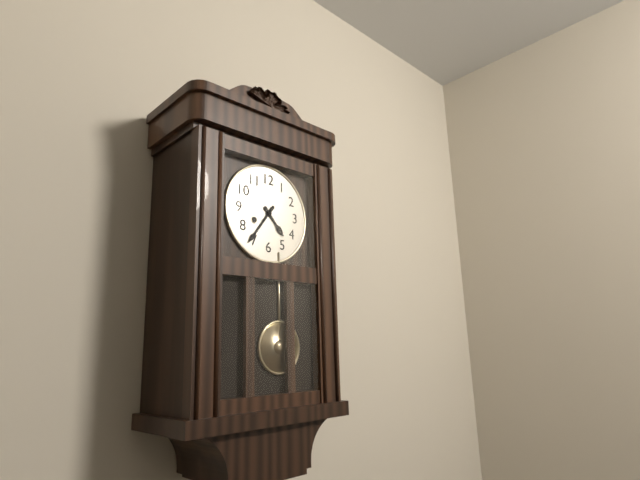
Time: {"hour": 4, "minute": 36}
